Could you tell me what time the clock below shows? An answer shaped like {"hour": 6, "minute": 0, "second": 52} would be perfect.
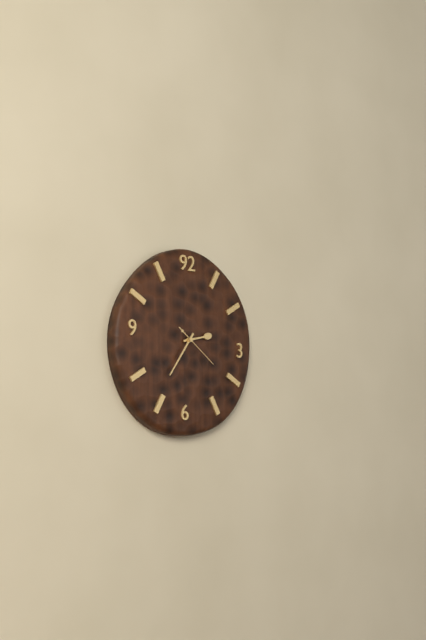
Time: {"hour": 2, "minute": 36, "second": 21}
